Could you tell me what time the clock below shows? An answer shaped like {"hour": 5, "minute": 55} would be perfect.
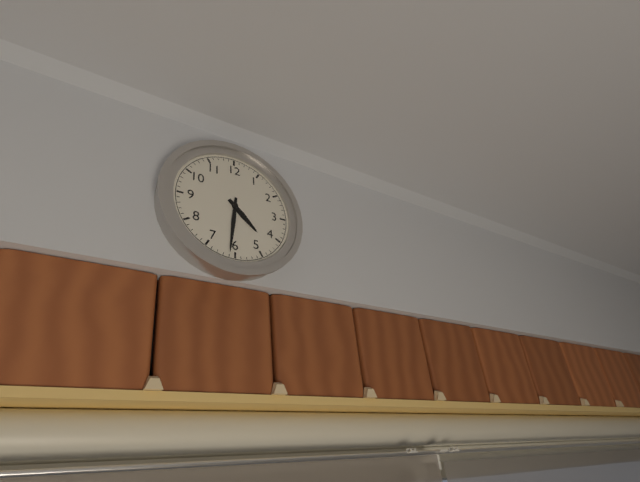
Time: {"hour": 4, "minute": 31}
